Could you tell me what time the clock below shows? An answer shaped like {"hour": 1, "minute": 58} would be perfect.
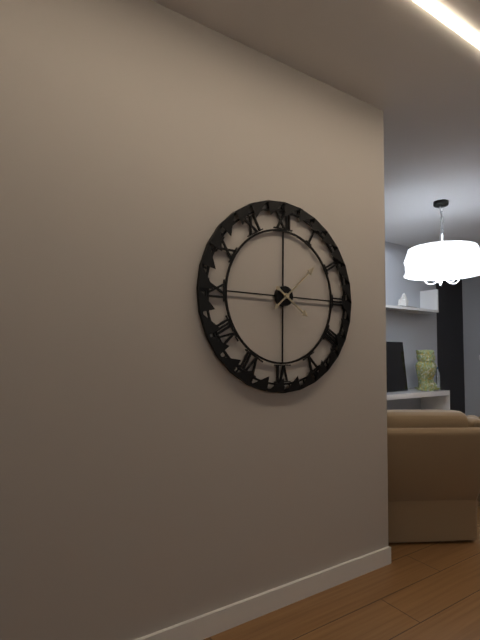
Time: {"hour": 4, "minute": 8}
